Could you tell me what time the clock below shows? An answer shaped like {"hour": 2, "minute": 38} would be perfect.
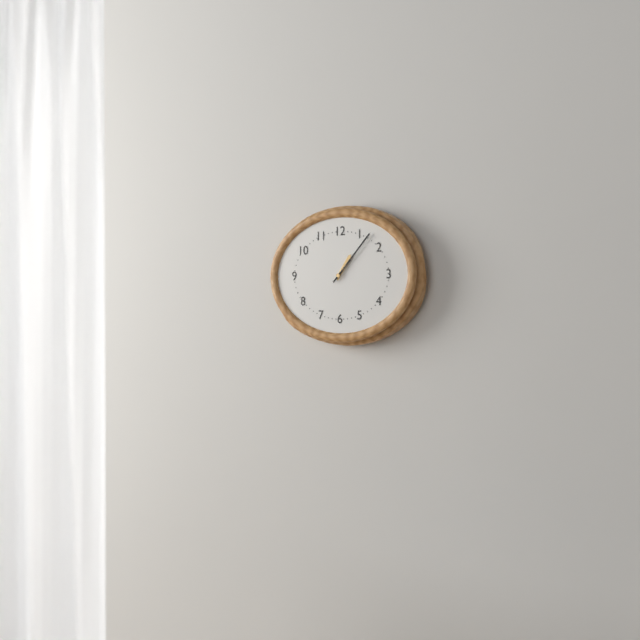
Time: {"hour": 1, "minute": 7}
